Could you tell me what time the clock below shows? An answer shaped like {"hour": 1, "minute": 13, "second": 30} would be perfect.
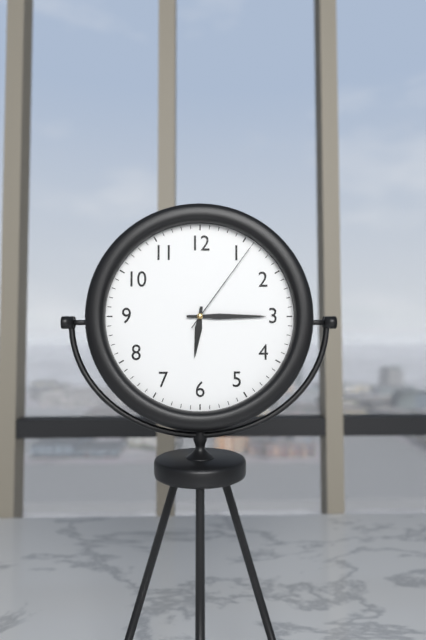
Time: {"hour": 6, "minute": 15, "second": 6}
